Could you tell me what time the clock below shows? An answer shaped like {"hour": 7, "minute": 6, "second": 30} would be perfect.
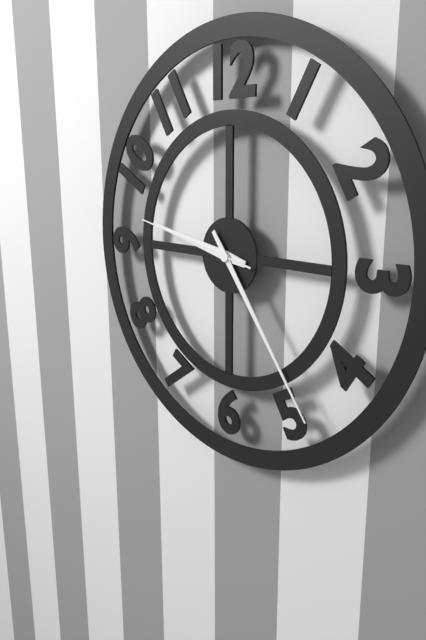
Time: {"hour": 9, "minute": 24, "second": 47}
